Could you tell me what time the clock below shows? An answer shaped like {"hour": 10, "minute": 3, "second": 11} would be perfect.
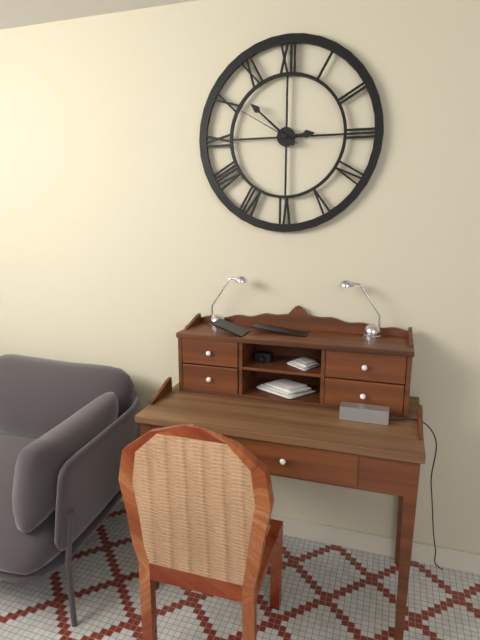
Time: {"hour": 2, "minute": 52, "second": 50}
